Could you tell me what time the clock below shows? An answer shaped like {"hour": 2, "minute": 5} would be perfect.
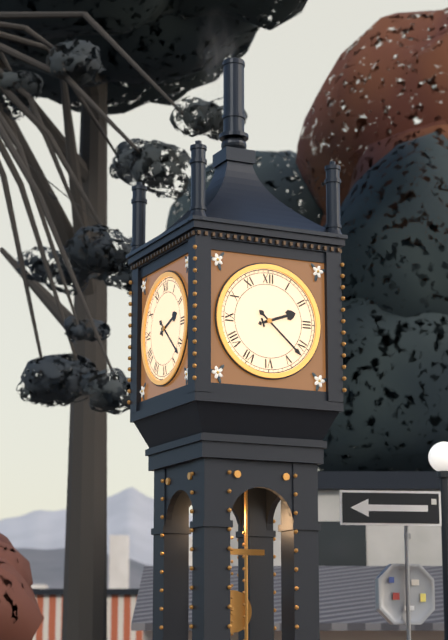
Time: {"hour": 2, "minute": 22}
